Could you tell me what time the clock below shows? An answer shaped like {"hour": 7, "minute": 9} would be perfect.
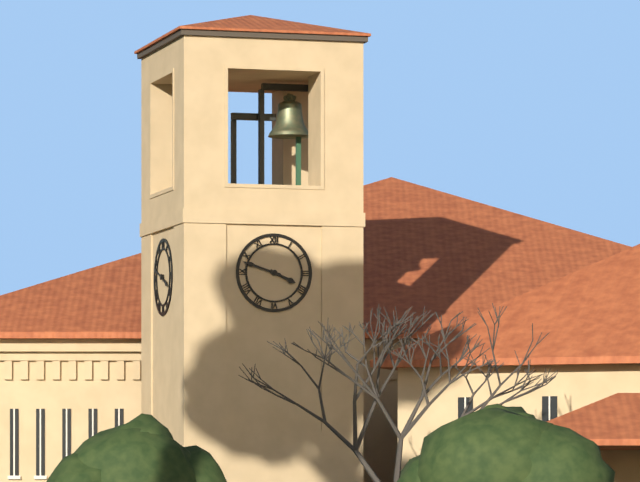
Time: {"hour": 3, "minute": 48}
